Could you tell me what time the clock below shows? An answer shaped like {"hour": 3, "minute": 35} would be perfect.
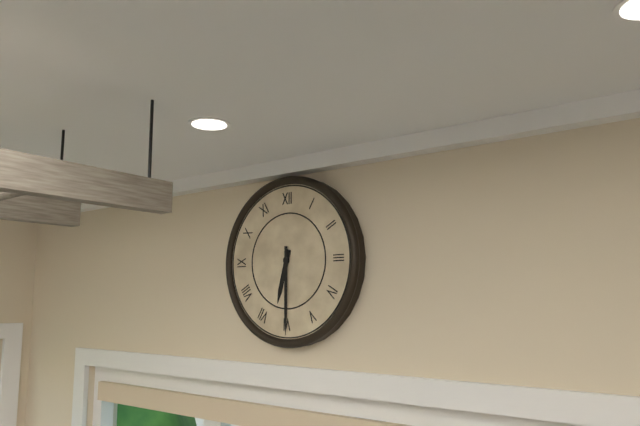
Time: {"hour": 6, "minute": 30}
